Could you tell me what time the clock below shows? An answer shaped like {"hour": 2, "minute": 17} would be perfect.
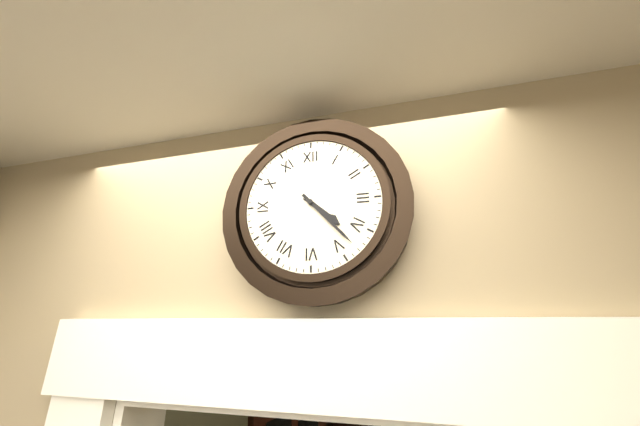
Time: {"hour": 4, "minute": 23}
